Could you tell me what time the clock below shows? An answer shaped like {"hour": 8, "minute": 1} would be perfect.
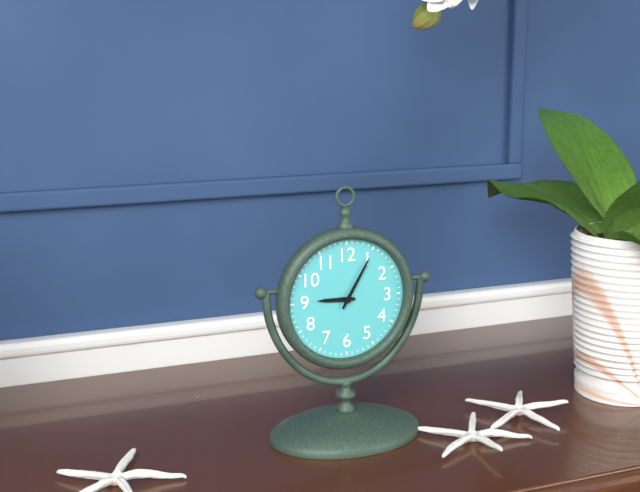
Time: {"hour": 9, "minute": 5}
